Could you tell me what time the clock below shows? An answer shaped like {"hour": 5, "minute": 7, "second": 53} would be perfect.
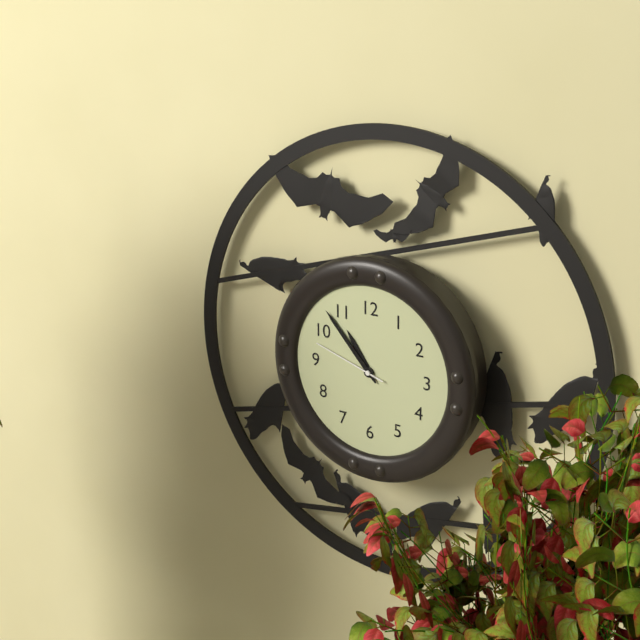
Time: {"hour": 10, "minute": 53, "second": 48}
